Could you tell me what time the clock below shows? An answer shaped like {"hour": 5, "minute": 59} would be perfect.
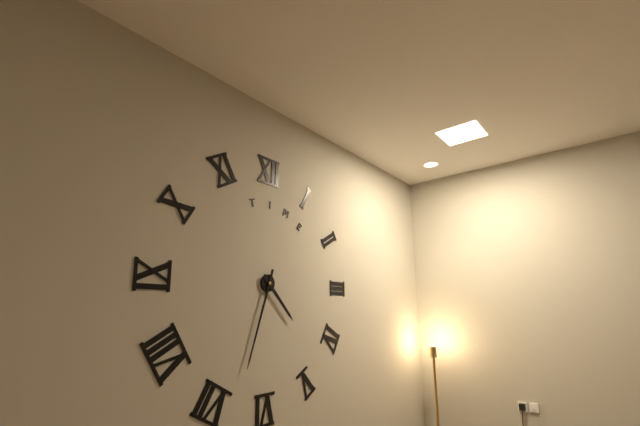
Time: {"hour": 4, "minute": 33}
